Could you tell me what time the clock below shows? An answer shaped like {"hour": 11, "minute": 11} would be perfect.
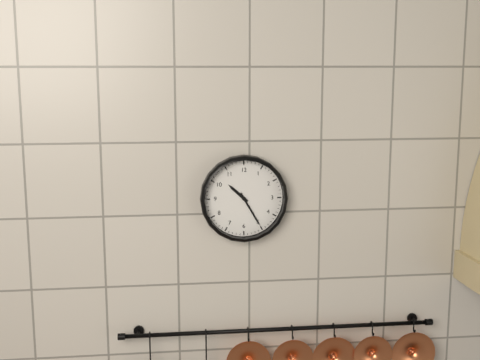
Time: {"hour": 10, "minute": 25}
